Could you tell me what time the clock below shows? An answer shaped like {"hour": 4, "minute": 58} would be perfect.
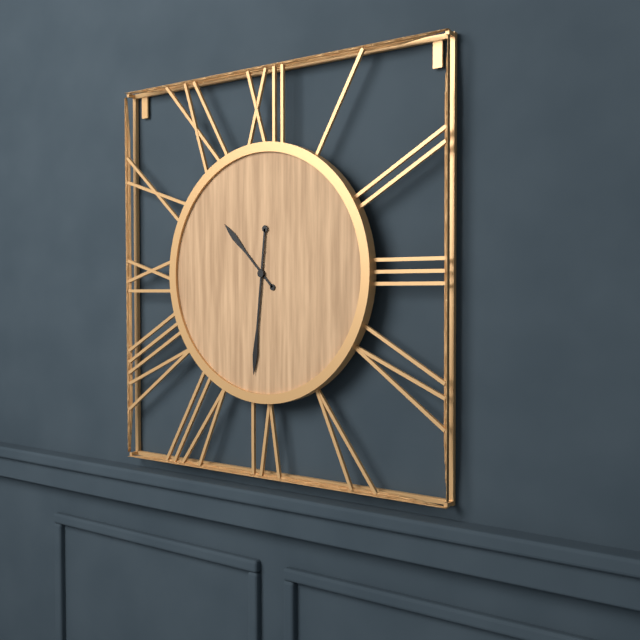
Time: {"hour": 10, "minute": 31}
